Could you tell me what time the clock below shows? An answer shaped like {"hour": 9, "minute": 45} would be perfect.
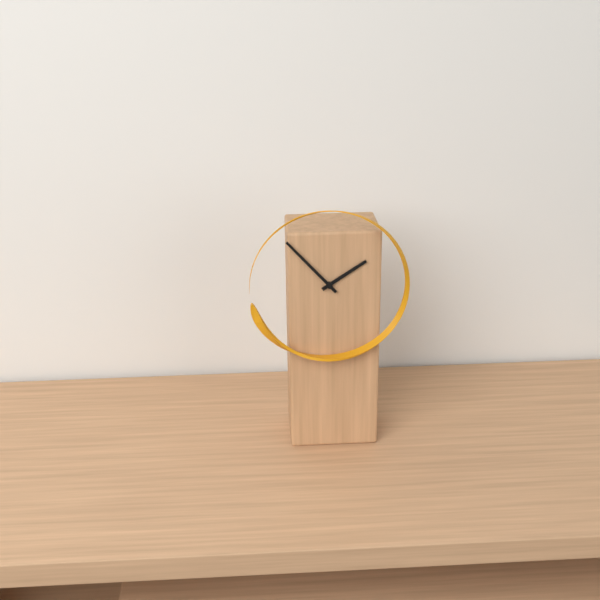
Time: {"hour": 1, "minute": 53}
